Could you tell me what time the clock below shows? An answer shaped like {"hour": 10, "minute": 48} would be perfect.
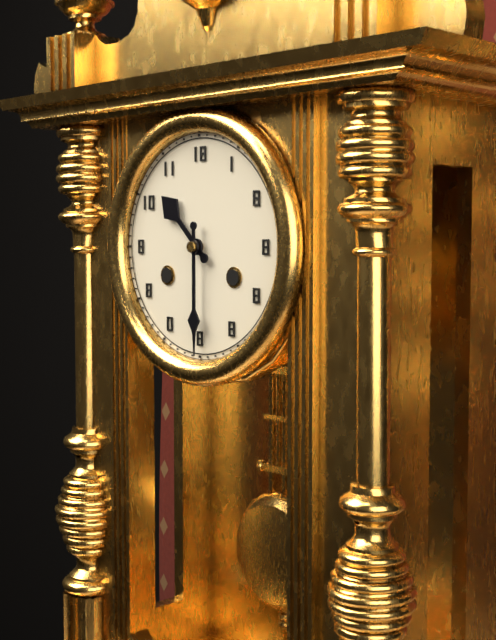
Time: {"hour": 10, "minute": 30}
